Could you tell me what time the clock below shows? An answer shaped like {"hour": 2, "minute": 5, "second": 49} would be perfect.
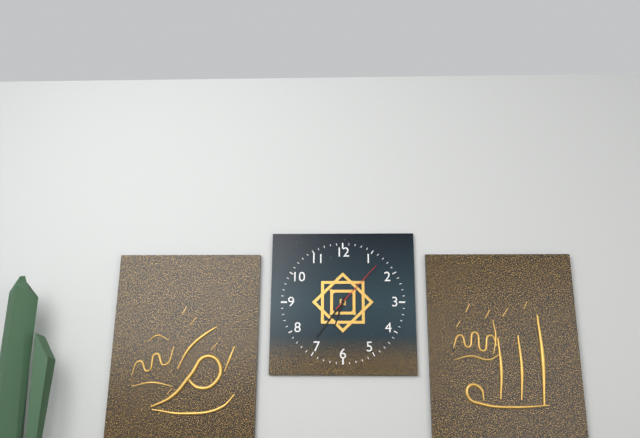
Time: {"hour": 6, "minute": 36, "second": 7}
